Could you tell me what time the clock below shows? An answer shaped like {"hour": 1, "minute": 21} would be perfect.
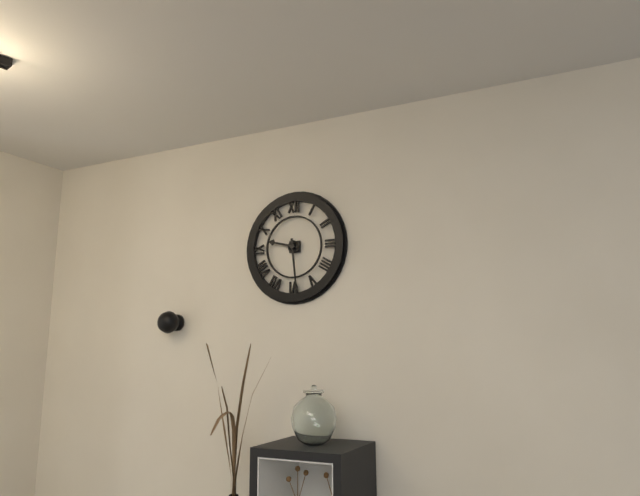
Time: {"hour": 9, "minute": 29}
